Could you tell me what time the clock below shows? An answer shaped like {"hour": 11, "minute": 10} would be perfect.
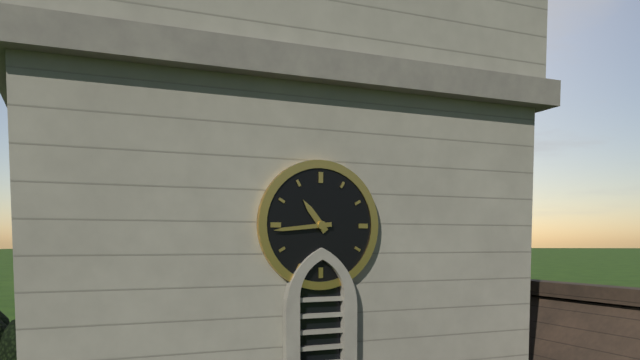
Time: {"hour": 10, "minute": 44}
